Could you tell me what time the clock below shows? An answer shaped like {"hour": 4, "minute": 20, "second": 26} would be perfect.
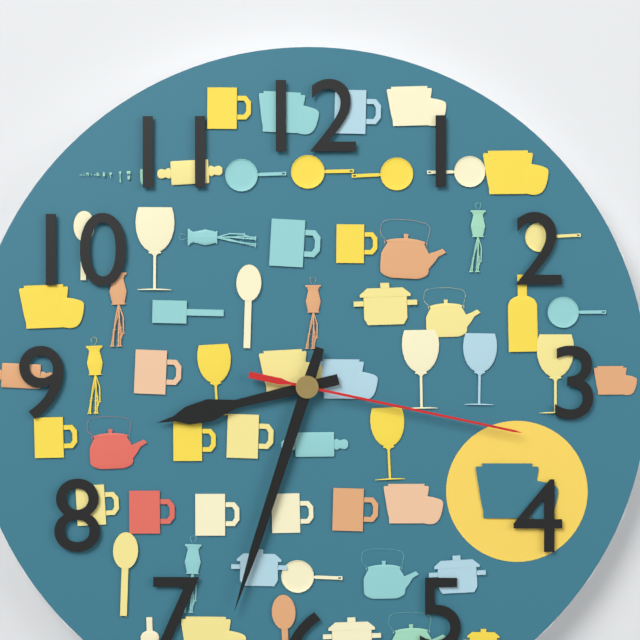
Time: {"hour": 8, "minute": 33, "second": 17}
